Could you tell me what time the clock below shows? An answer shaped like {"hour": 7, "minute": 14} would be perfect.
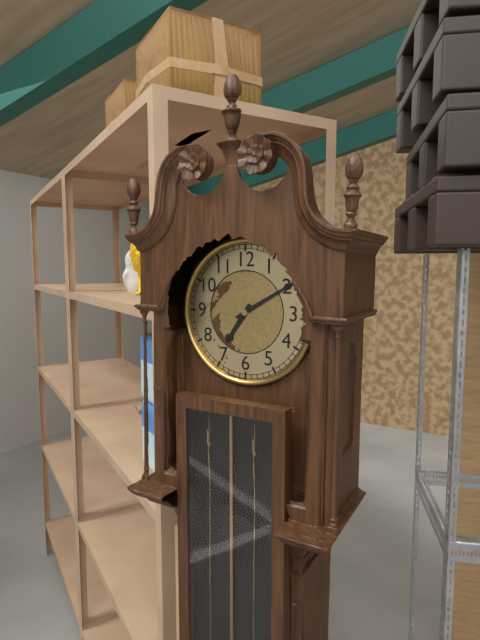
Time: {"hour": 7, "minute": 10}
